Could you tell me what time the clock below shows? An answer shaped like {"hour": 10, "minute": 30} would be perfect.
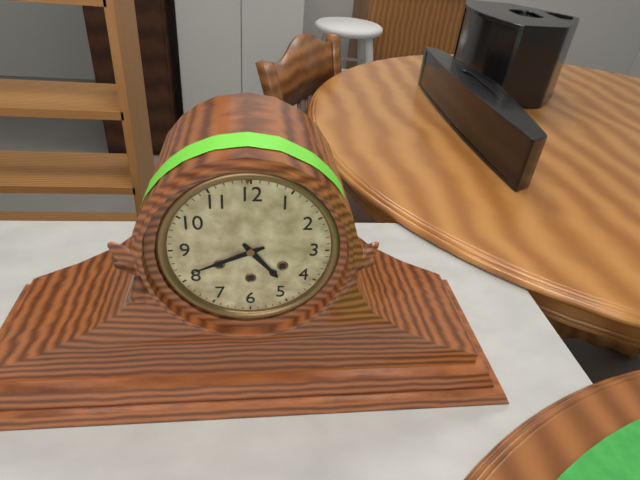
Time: {"hour": 4, "minute": 41}
